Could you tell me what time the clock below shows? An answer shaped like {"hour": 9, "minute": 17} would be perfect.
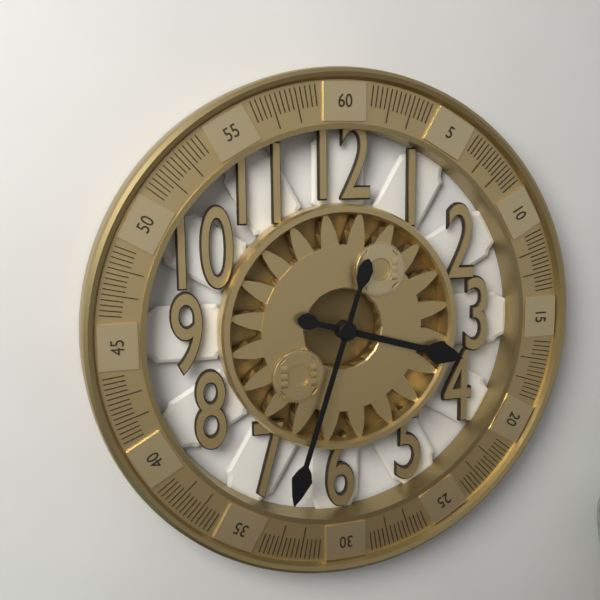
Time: {"hour": 3, "minute": 33}
